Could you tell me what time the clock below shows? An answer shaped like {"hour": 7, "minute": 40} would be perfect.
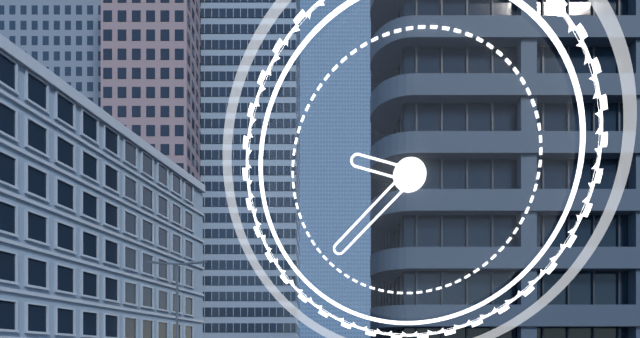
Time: {"hour": 9, "minute": 38}
